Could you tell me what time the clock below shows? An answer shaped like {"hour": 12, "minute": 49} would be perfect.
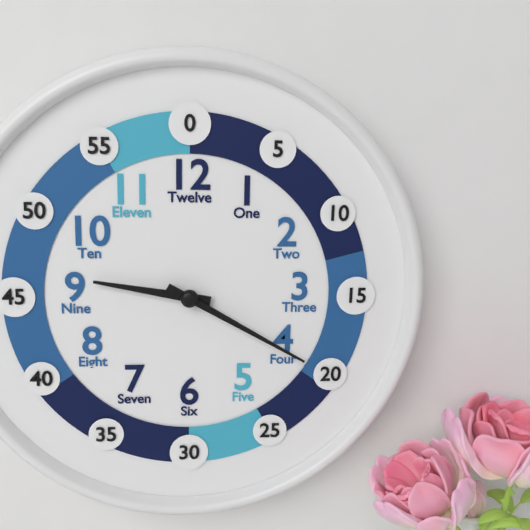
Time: {"hour": 9, "minute": 20}
